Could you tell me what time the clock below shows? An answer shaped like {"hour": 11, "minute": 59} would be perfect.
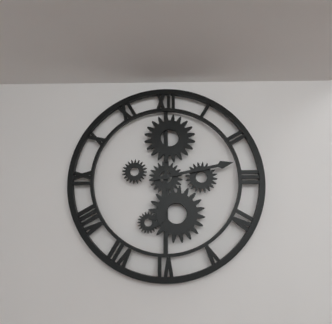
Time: {"hour": 6, "minute": 13}
